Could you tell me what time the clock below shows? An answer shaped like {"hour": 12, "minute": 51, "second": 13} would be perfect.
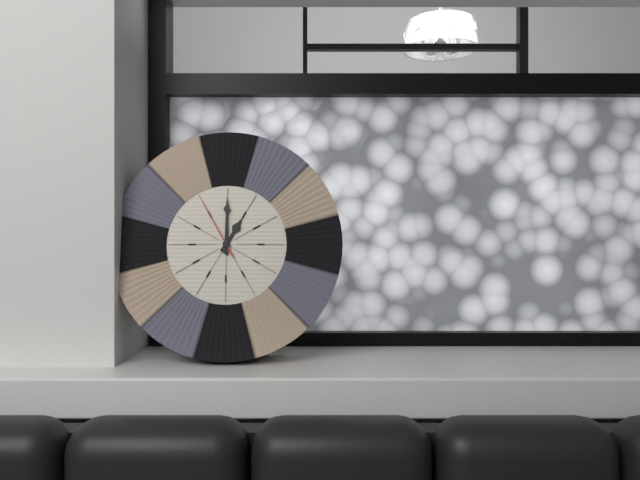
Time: {"hour": 1, "minute": 0, "second": 55}
